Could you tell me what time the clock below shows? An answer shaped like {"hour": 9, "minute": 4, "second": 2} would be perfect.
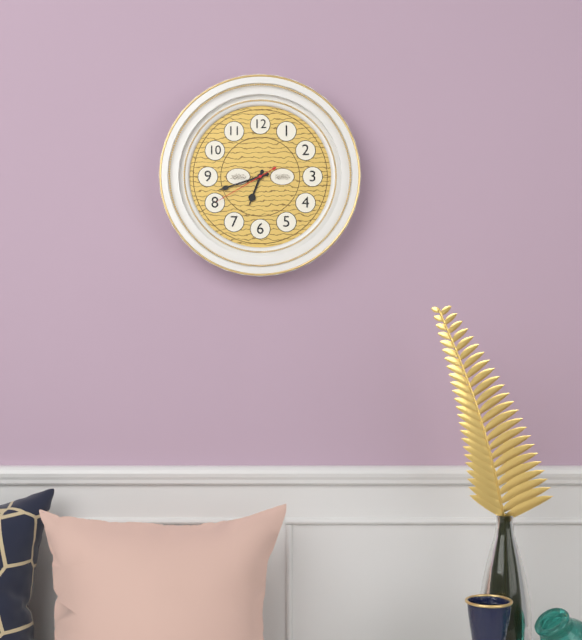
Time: {"hour": 6, "minute": 42, "second": 40}
